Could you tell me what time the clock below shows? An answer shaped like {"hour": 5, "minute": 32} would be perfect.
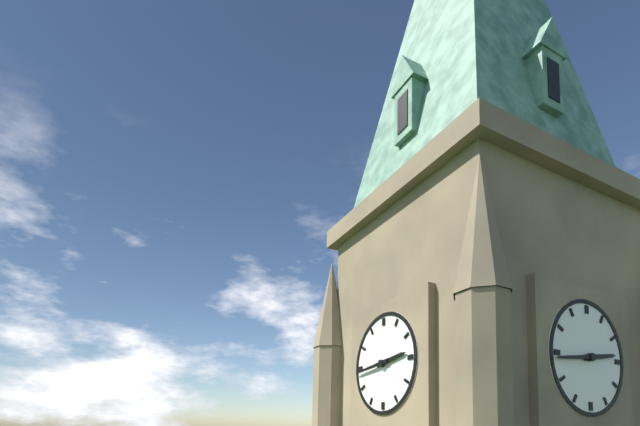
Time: {"hour": 2, "minute": 44}
